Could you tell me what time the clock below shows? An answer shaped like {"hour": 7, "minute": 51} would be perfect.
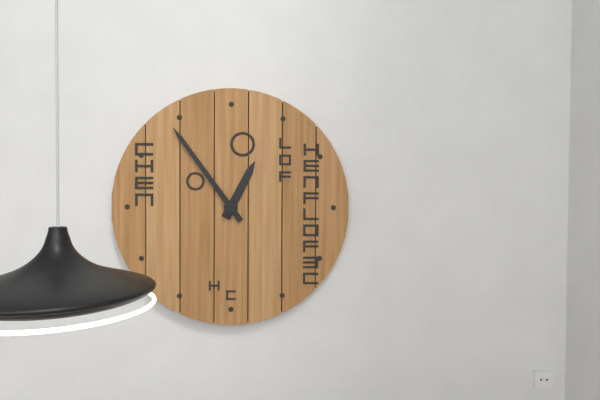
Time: {"hour": 12, "minute": 54}
